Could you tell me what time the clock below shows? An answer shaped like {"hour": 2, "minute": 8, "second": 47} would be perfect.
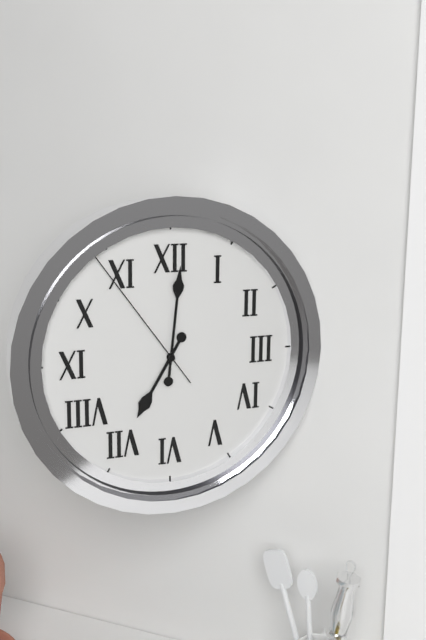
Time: {"hour": 7, "minute": 1, "second": 54}
